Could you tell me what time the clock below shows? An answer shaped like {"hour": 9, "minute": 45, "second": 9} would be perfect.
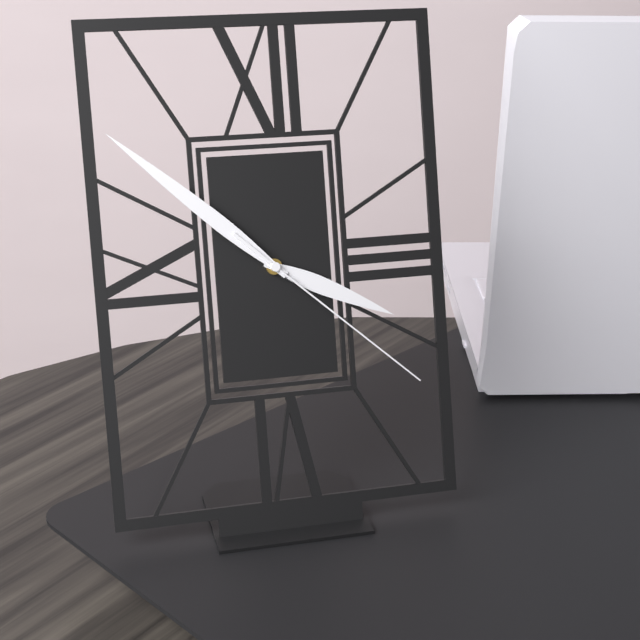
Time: {"hour": 3, "minute": 52, "second": 22}
